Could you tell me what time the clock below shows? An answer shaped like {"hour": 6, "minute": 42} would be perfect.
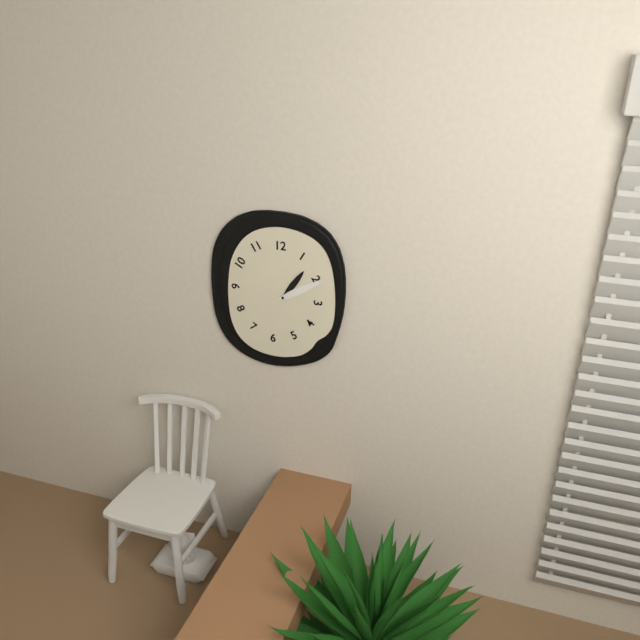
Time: {"hour": 1, "minute": 10}
